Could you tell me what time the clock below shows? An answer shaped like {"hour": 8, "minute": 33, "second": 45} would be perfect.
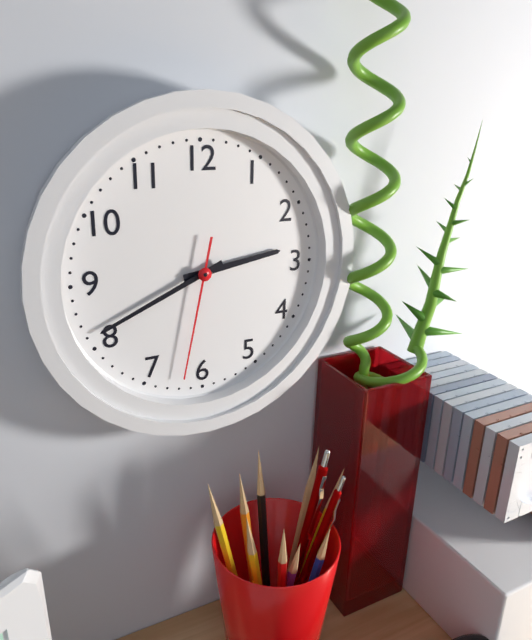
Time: {"hour": 2, "minute": 41, "second": 32}
